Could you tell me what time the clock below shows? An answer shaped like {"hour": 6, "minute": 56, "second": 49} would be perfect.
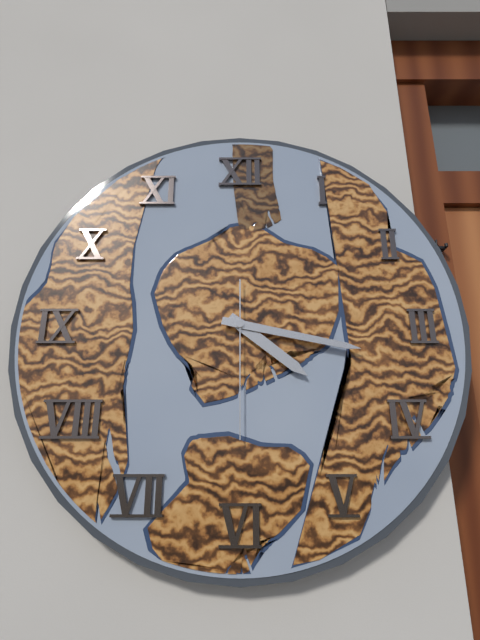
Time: {"hour": 4, "minute": 17, "second": 30}
